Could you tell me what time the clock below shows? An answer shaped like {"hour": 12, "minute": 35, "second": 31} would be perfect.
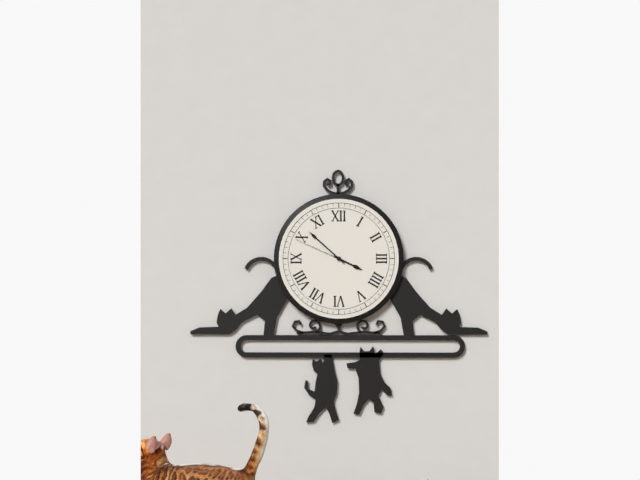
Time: {"hour": 3, "minute": 52, "second": 49}
